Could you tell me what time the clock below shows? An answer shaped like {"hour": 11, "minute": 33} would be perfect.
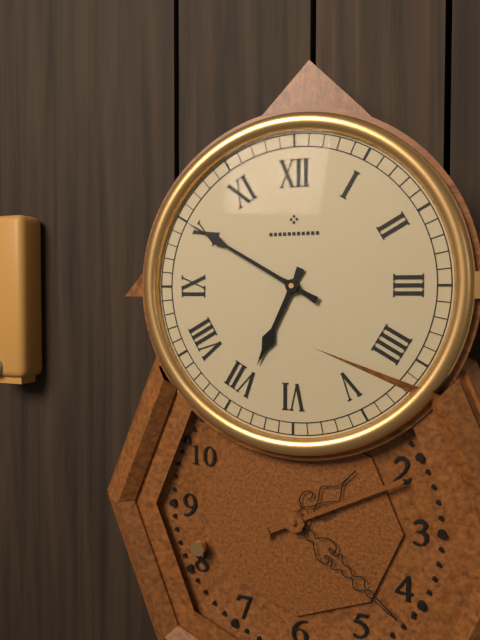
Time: {"hour": 6, "minute": 50}
